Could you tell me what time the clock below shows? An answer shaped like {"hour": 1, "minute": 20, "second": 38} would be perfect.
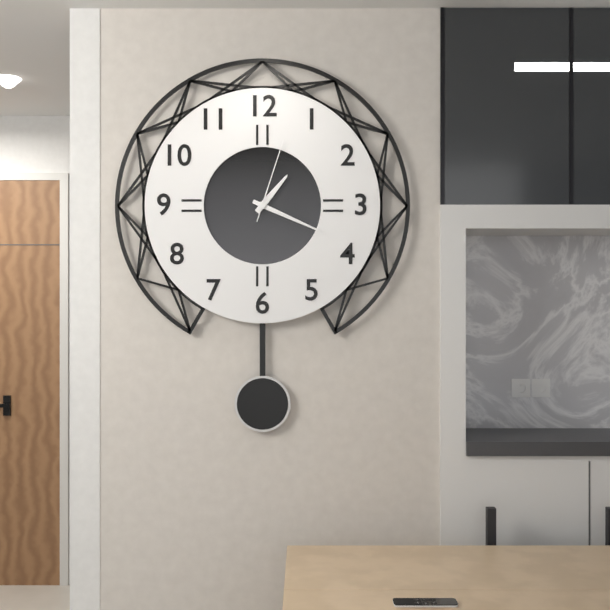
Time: {"hour": 1, "minute": 19, "second": 3}
